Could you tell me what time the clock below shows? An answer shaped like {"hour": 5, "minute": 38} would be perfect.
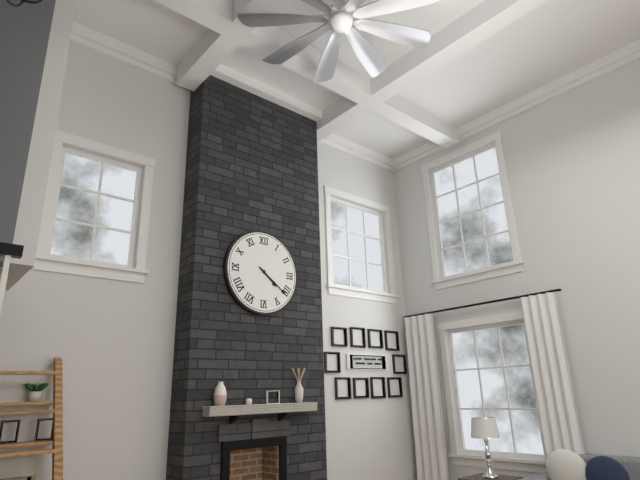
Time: {"hour": 4, "minute": 21}
